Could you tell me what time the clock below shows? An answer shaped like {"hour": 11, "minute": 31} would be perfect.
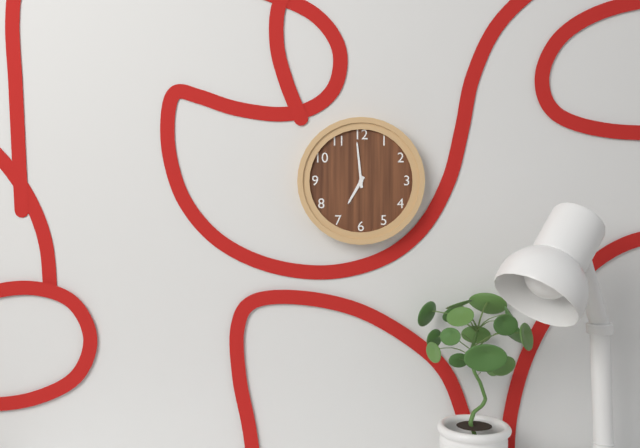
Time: {"hour": 6, "minute": 59}
